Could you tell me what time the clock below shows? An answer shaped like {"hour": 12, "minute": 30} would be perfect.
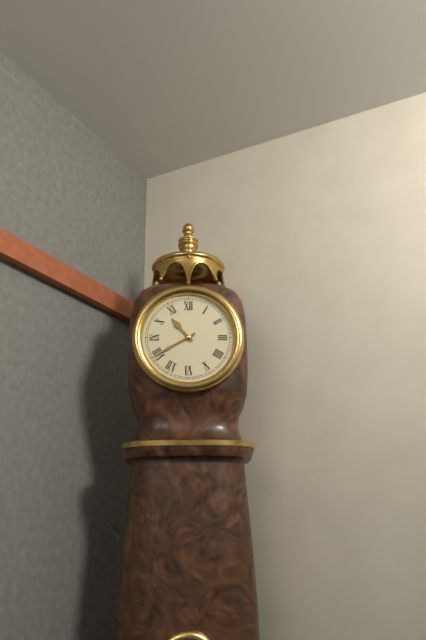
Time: {"hour": 10, "minute": 40}
